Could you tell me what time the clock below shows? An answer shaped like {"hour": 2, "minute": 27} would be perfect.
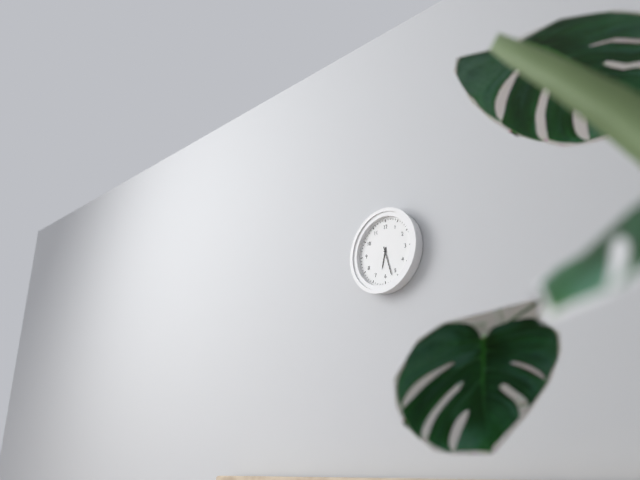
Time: {"hour": 6, "minute": 27}
